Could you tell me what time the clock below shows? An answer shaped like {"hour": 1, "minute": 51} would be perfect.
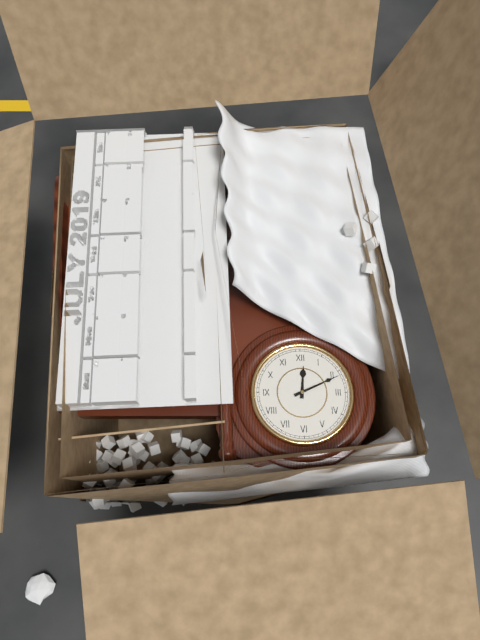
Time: {"hour": 12, "minute": 11}
